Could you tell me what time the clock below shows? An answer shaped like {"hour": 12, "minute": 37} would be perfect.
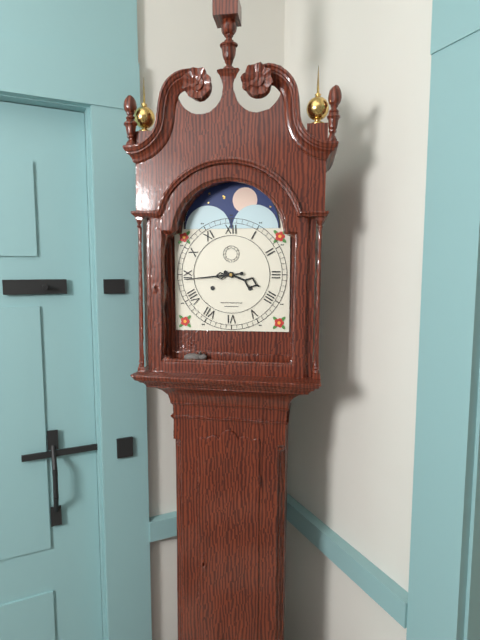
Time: {"hour": 3, "minute": 44}
